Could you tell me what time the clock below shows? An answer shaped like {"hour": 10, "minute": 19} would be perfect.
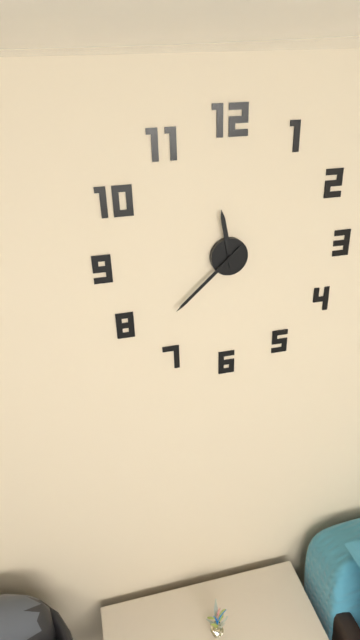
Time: {"hour": 11, "minute": 38}
